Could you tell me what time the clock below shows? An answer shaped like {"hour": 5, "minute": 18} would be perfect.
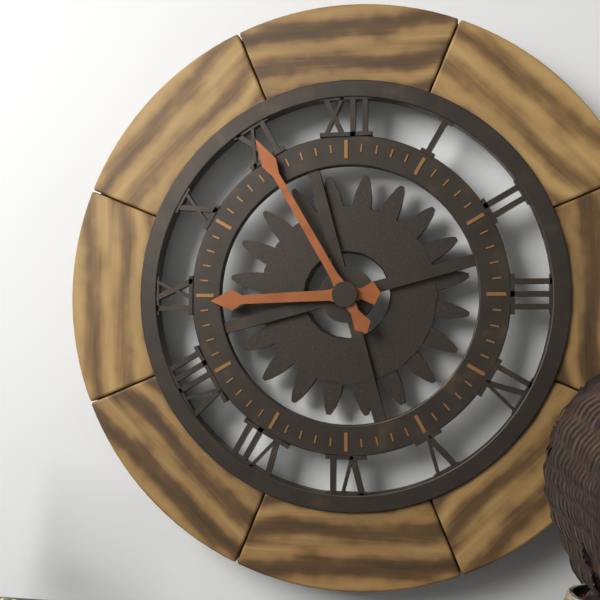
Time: {"hour": 8, "minute": 55}
